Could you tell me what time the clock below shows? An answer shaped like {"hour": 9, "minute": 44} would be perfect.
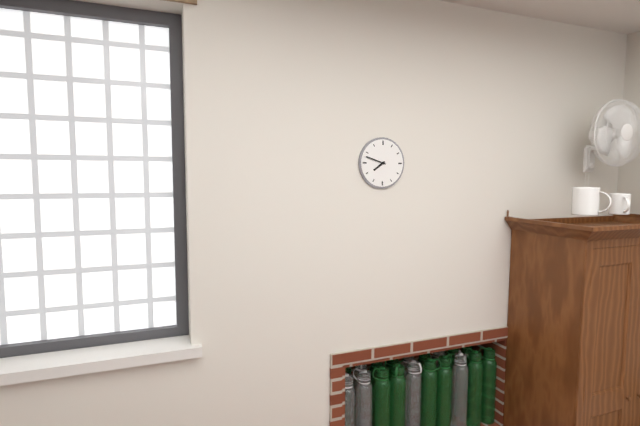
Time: {"hour": 7, "minute": 48}
